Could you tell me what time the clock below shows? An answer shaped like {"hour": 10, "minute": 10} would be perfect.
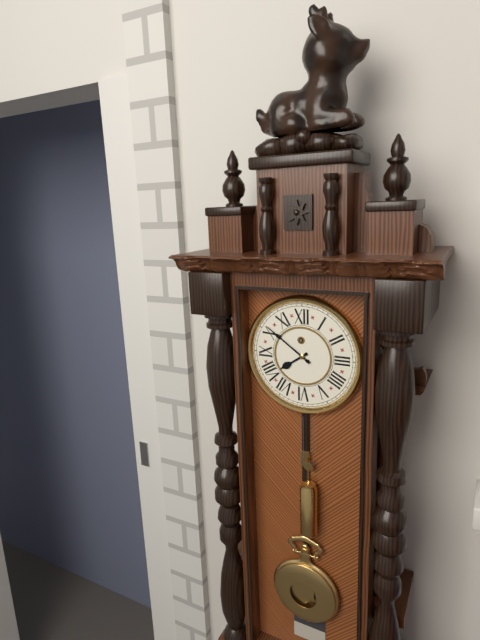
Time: {"hour": 7, "minute": 51}
